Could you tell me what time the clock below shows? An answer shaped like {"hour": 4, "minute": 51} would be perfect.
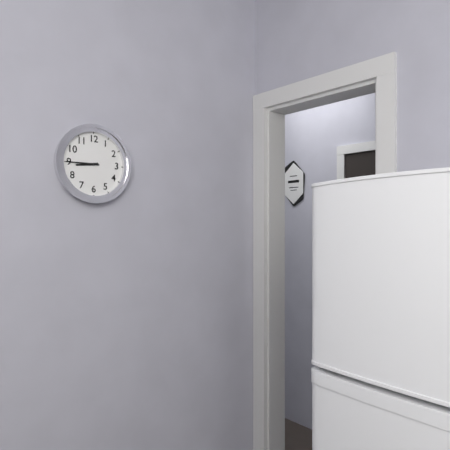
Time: {"hour": 8, "minute": 45}
